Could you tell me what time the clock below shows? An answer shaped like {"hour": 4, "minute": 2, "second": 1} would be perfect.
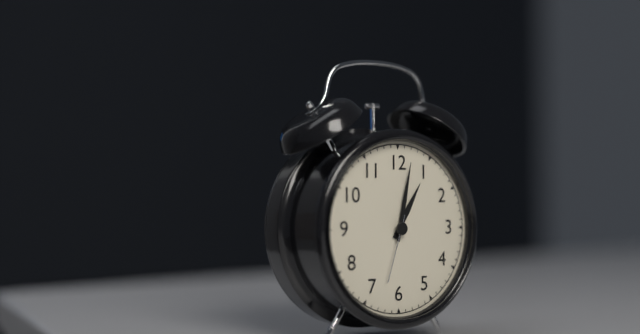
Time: {"hour": 1, "minute": 2, "second": 33}
